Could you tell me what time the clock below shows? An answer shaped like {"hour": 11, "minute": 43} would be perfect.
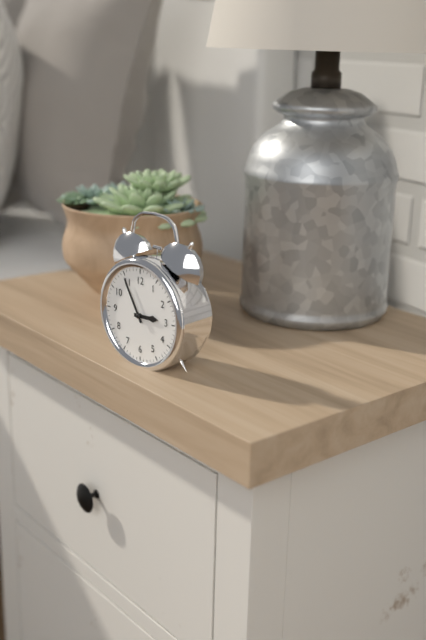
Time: {"hour": 2, "minute": 55}
